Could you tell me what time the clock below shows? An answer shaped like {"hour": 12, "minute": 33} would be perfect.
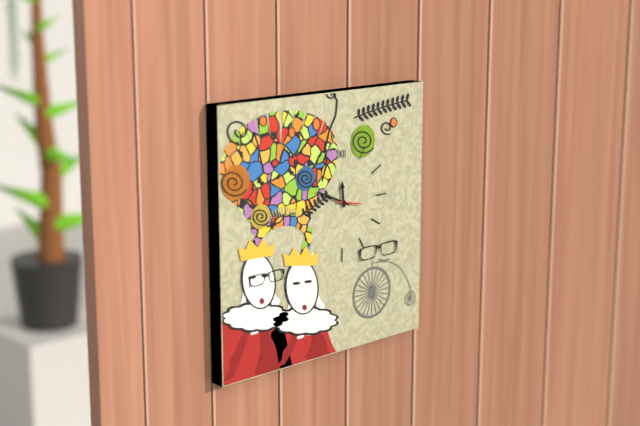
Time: {"hour": 11, "minute": 49}
